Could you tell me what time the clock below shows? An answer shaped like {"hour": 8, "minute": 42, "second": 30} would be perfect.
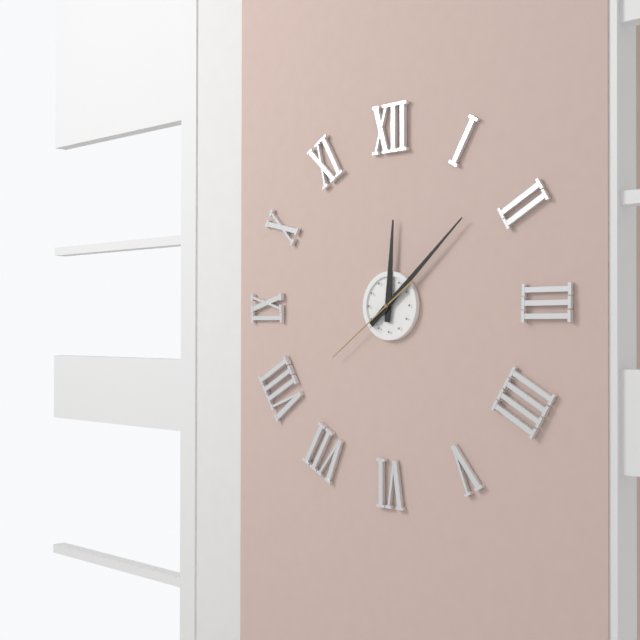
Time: {"hour": 12, "minute": 8, "second": 39}
